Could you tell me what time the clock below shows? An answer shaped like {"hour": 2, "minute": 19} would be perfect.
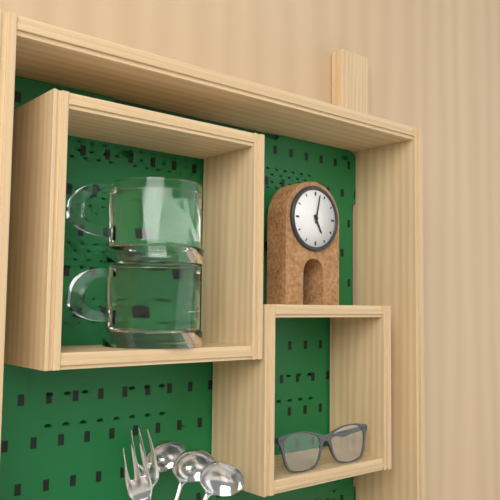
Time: {"hour": 5, "minute": 2}
